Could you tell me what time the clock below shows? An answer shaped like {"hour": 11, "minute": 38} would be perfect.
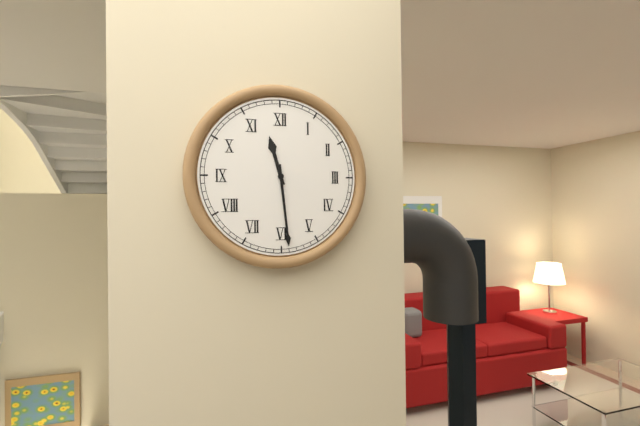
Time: {"hour": 11, "minute": 29}
